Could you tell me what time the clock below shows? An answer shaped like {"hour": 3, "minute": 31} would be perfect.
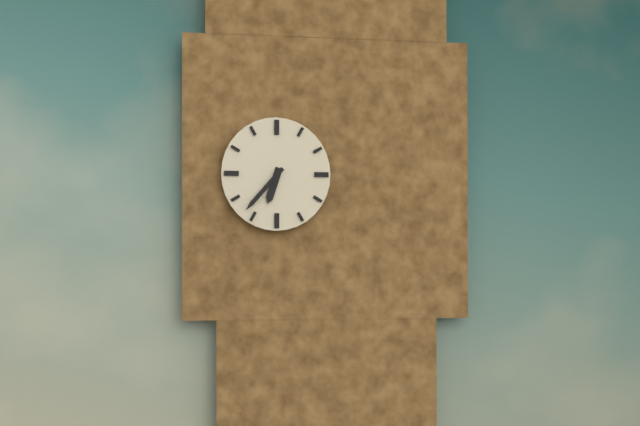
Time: {"hour": 6, "minute": 37}
